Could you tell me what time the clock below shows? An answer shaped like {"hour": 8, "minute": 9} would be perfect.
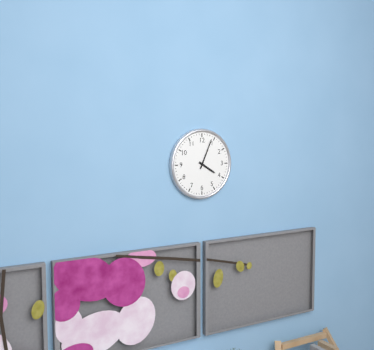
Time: {"hour": 4, "minute": 4}
